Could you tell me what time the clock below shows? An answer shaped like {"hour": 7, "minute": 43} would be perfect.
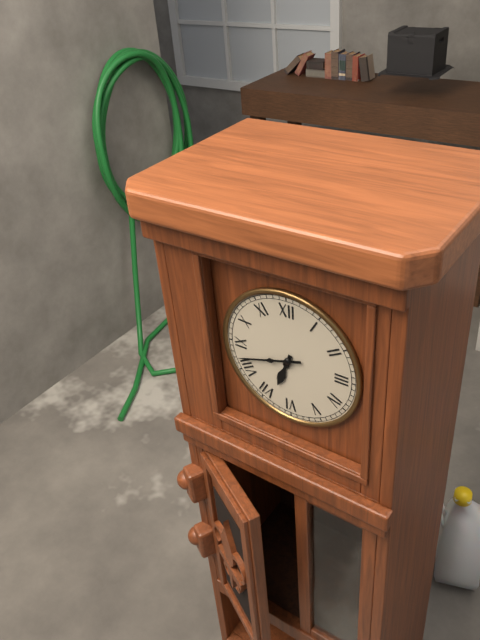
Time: {"hour": 6, "minute": 42}
